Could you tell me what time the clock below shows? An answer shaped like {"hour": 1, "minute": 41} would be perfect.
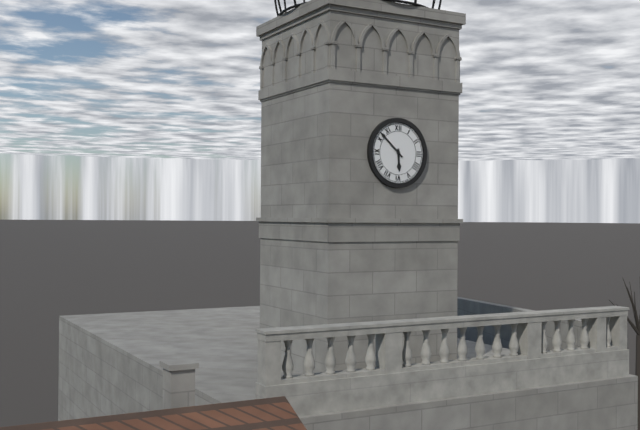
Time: {"hour": 5, "minute": 52}
